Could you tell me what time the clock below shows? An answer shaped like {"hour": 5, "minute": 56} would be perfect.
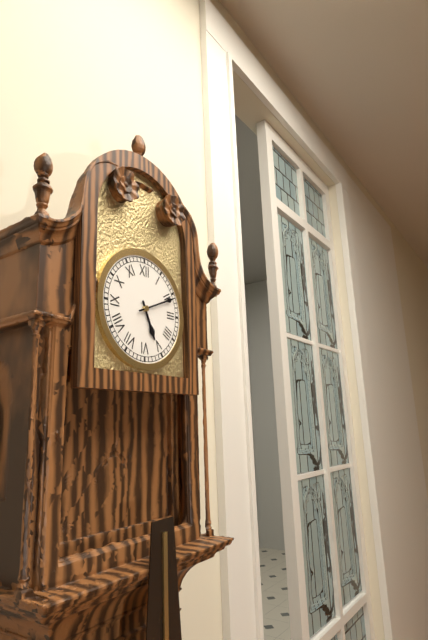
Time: {"hour": 5, "minute": 11}
